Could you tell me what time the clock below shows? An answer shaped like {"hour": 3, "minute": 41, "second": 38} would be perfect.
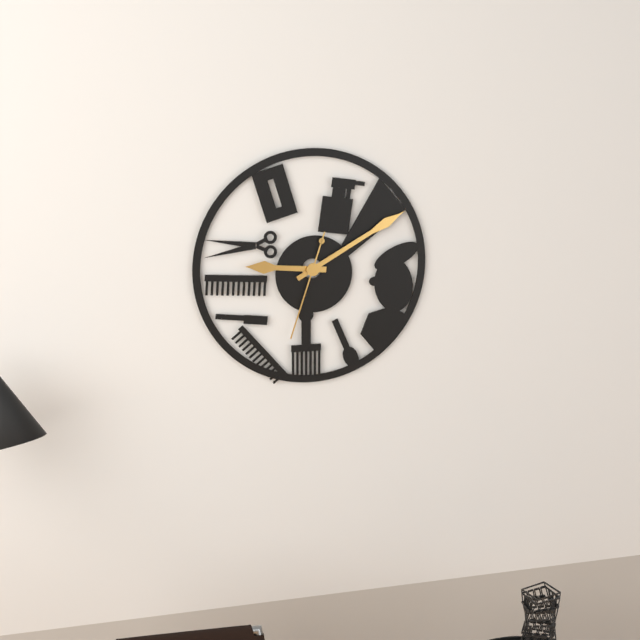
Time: {"hour": 9, "minute": 10, "second": 33}
